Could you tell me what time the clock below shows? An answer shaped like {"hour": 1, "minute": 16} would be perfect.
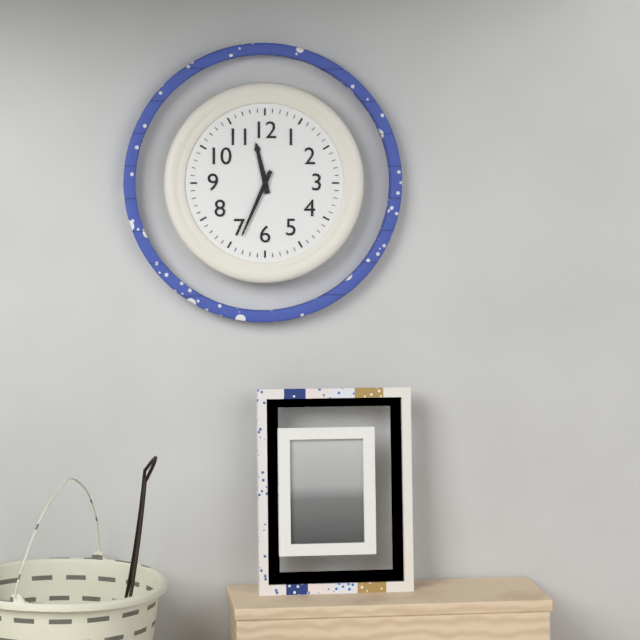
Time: {"hour": 11, "minute": 34}
